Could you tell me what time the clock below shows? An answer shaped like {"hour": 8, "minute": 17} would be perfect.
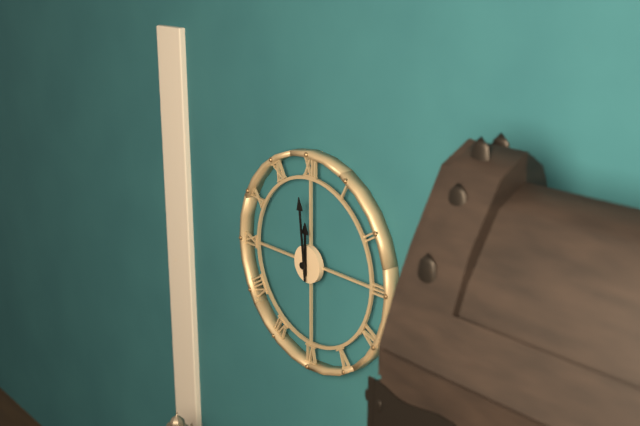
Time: {"hour": 11, "minute": 59}
